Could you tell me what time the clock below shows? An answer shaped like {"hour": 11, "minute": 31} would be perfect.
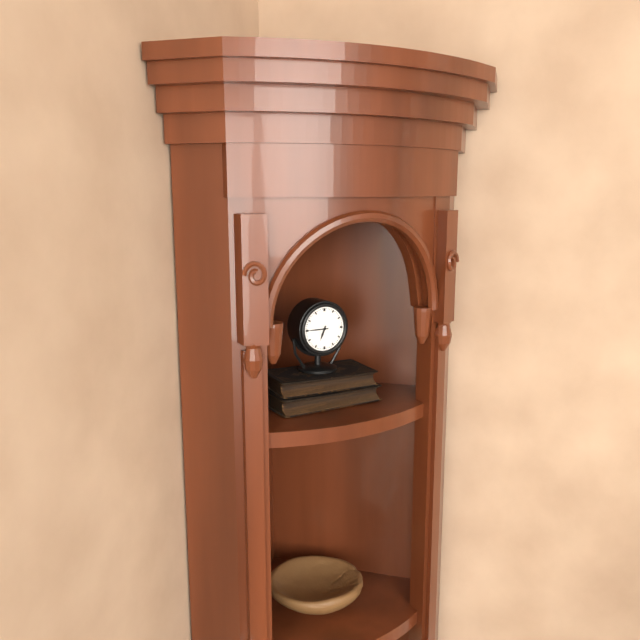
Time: {"hour": 6, "minute": 45}
